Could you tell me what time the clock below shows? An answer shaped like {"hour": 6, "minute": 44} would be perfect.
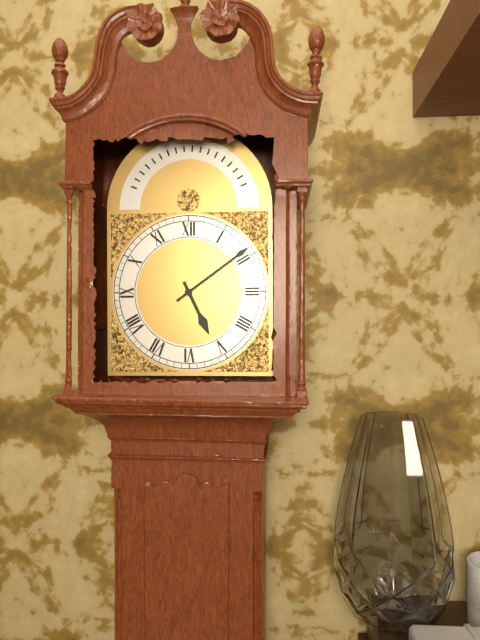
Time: {"hour": 5, "minute": 9}
